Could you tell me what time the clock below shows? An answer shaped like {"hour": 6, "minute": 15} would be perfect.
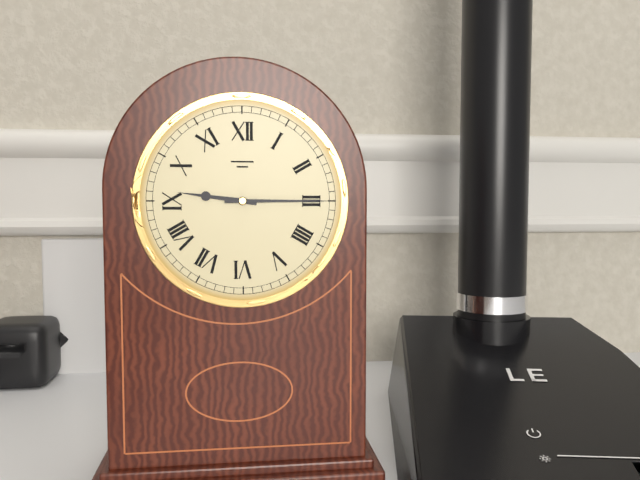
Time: {"hour": 9, "minute": 15}
